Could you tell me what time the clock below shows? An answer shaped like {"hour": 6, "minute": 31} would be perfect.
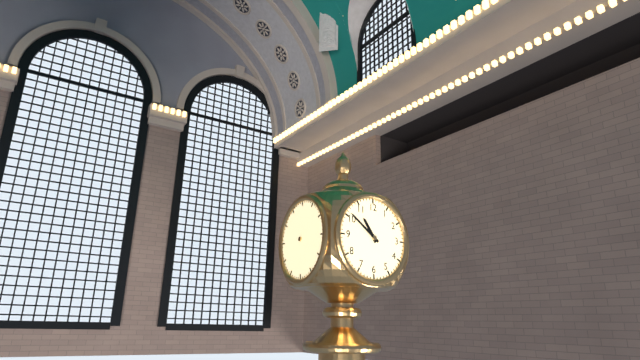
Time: {"hour": 10, "minute": 51}
